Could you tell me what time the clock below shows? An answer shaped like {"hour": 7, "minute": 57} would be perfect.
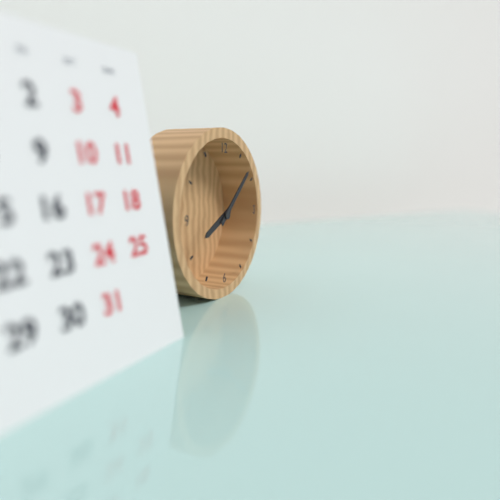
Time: {"hour": 8, "minute": 8}
